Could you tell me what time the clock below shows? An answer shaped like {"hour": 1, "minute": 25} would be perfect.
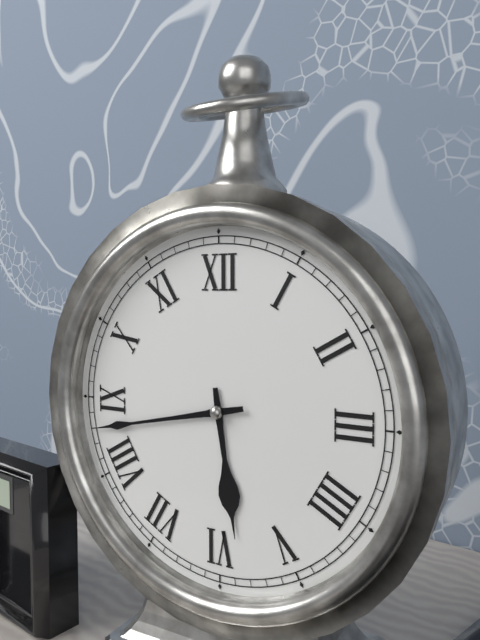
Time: {"hour": 5, "minute": 43}
